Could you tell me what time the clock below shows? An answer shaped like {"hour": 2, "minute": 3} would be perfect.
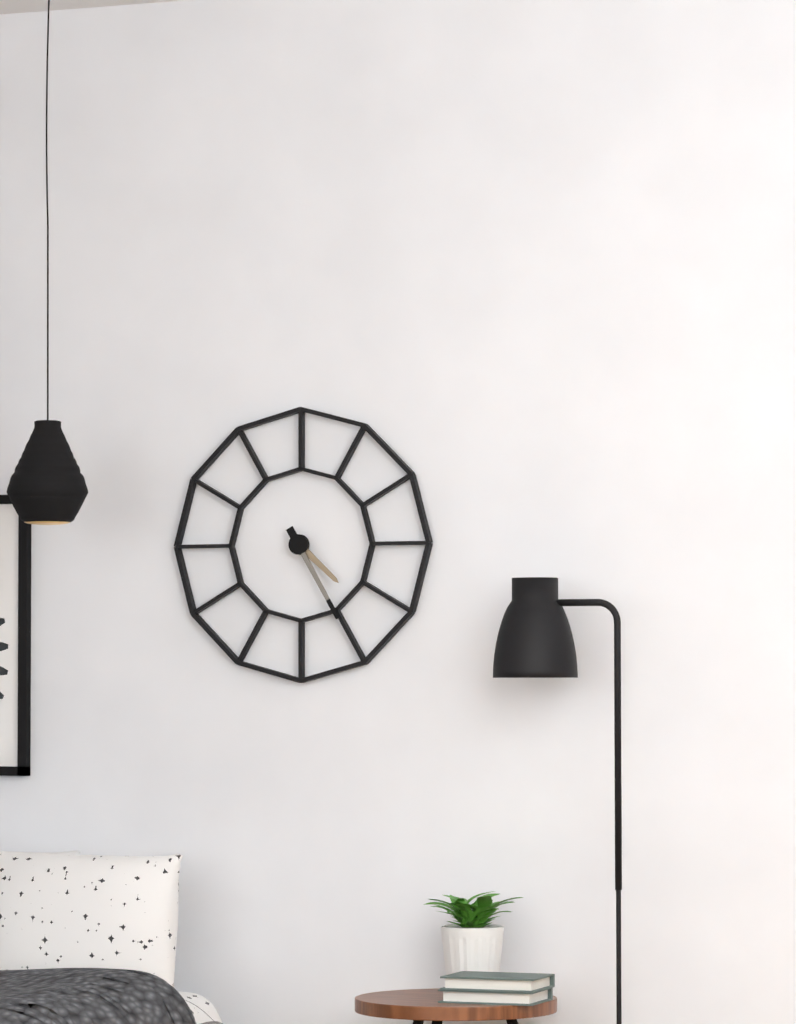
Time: {"hour": 4, "minute": 25}
